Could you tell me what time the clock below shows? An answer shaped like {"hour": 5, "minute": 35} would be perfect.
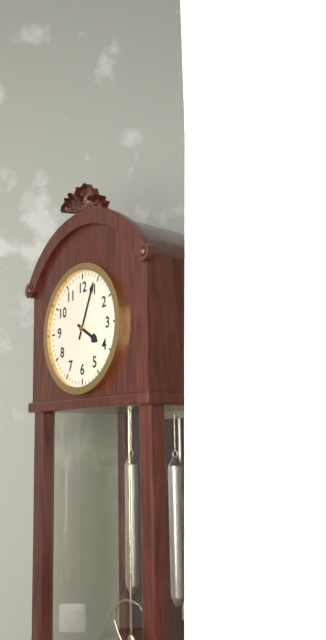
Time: {"hour": 4, "minute": 4}
